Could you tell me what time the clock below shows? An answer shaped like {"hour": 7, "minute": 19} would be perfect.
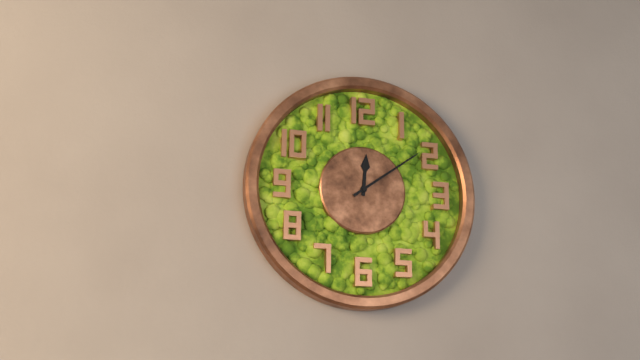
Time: {"hour": 12, "minute": 9}
